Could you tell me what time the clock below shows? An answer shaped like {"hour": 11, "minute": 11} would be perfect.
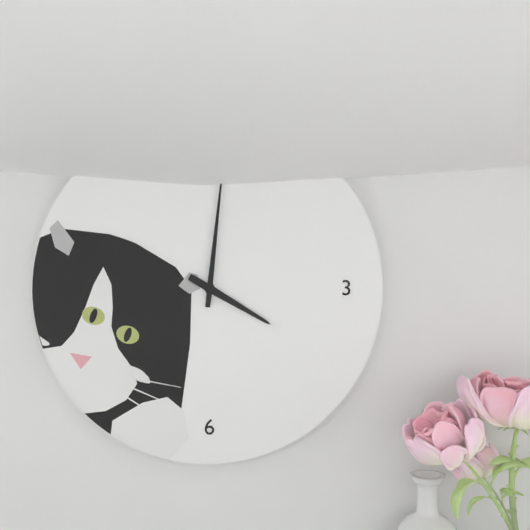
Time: {"hour": 4, "minute": 1}
